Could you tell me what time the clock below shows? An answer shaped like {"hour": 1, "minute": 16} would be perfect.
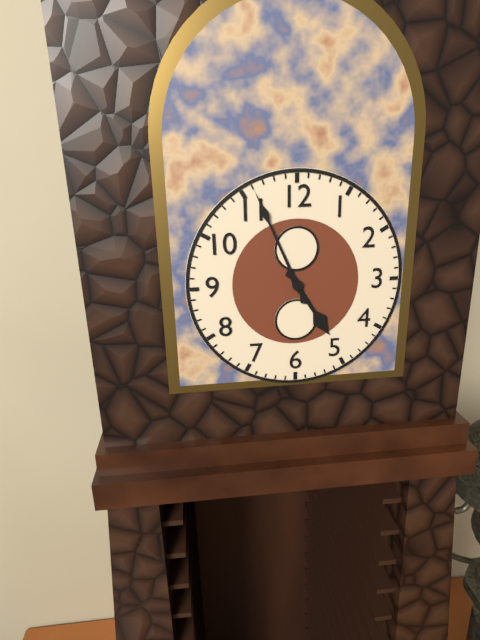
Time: {"hour": 4, "minute": 56}
